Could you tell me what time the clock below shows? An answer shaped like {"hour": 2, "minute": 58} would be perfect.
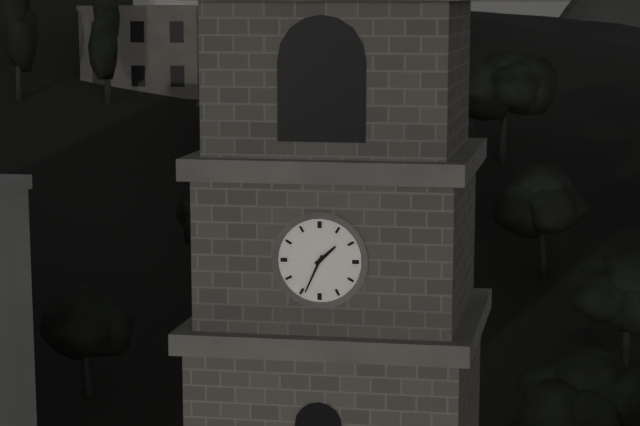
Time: {"hour": 1, "minute": 34}
